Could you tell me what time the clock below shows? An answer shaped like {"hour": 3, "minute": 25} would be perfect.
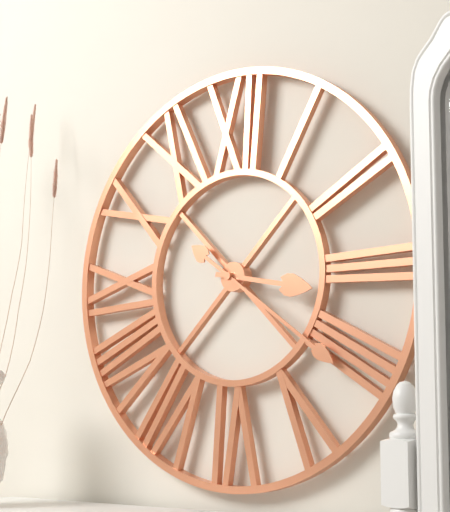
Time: {"hour": 3, "minute": 21}
